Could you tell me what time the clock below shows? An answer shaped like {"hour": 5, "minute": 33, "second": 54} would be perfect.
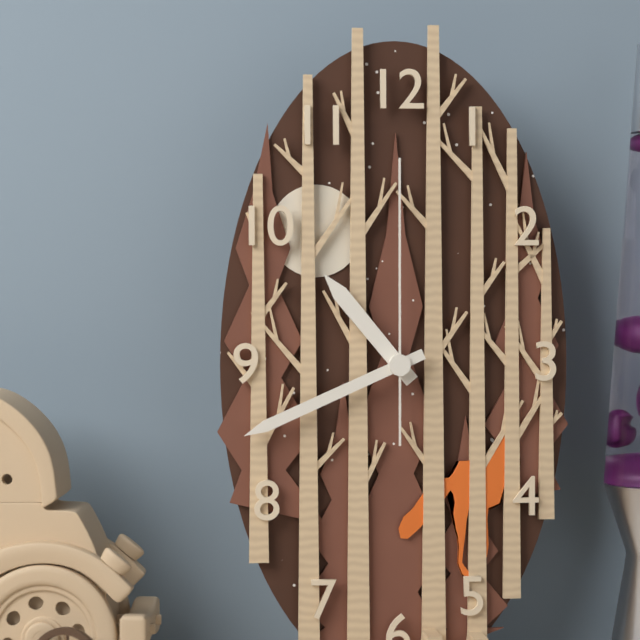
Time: {"hour": 10, "minute": 41, "second": 0}
